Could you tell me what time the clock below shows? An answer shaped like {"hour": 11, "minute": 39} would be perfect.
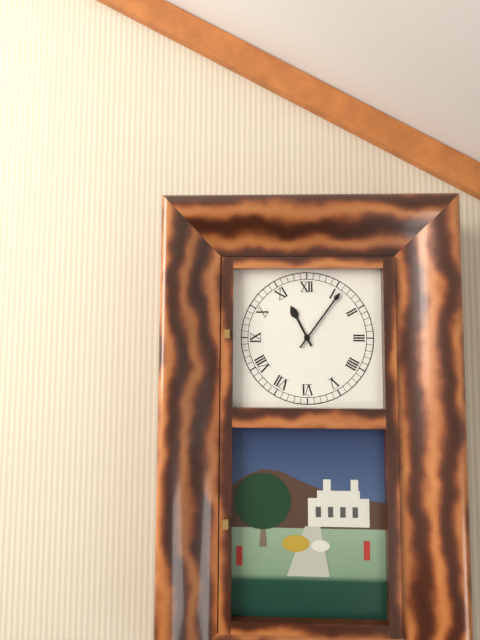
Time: {"hour": 11, "minute": 6}
